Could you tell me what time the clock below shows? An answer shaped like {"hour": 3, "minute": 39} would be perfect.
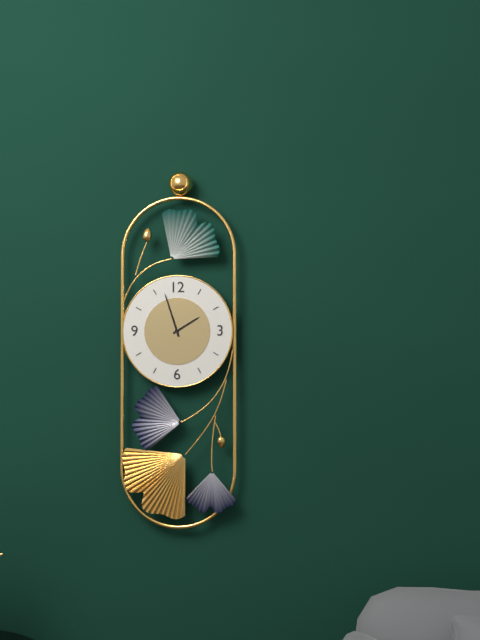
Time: {"hour": 1, "minute": 57}
